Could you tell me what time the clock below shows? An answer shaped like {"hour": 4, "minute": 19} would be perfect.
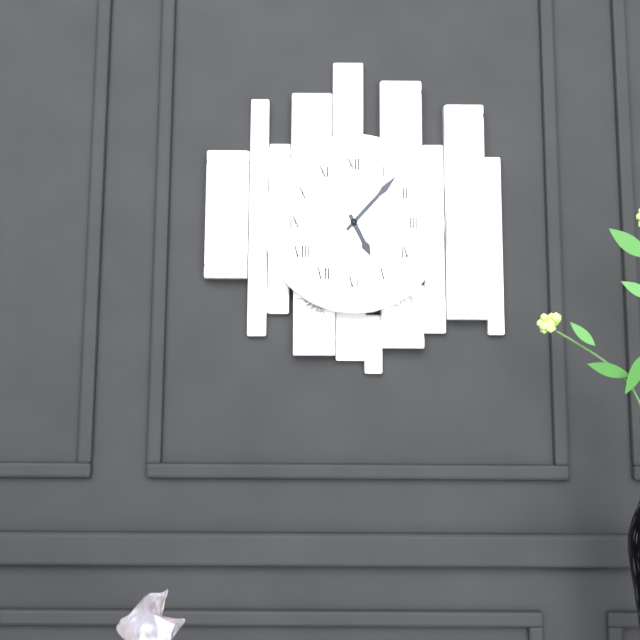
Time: {"hour": 5, "minute": 7}
